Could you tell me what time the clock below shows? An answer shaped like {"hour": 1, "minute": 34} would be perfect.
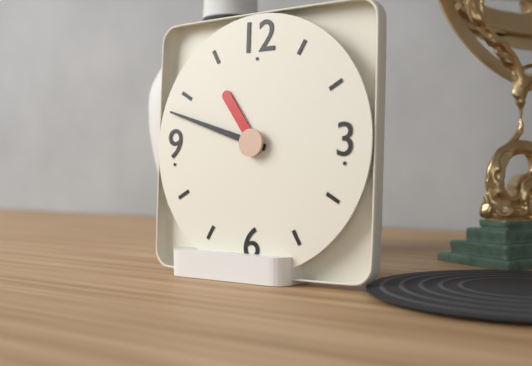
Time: {"hour": 10, "minute": 48}
